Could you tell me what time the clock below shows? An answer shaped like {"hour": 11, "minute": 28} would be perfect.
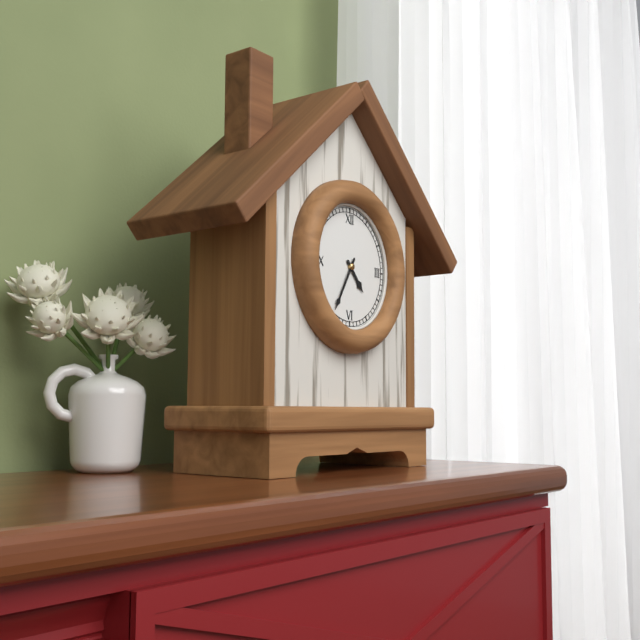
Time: {"hour": 4, "minute": 35}
